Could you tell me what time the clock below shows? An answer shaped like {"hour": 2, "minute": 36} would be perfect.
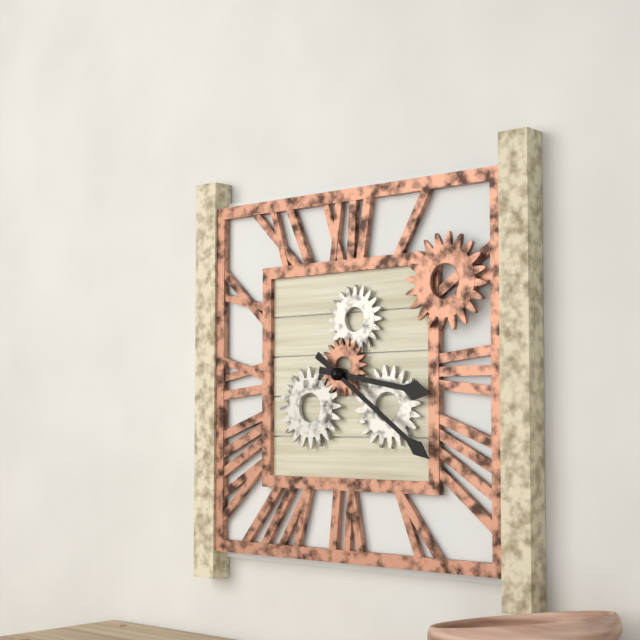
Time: {"hour": 3, "minute": 21}
